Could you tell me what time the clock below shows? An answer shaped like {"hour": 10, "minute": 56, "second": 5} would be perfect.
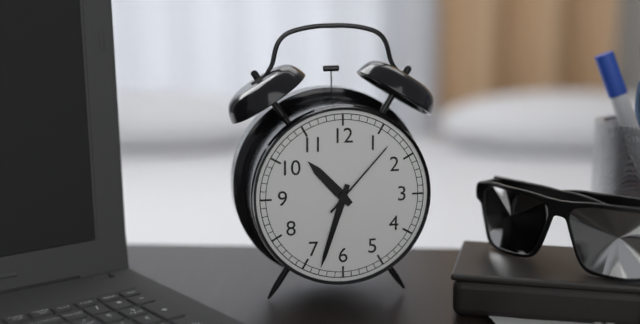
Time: {"hour": 10, "minute": 33, "second": 7}
